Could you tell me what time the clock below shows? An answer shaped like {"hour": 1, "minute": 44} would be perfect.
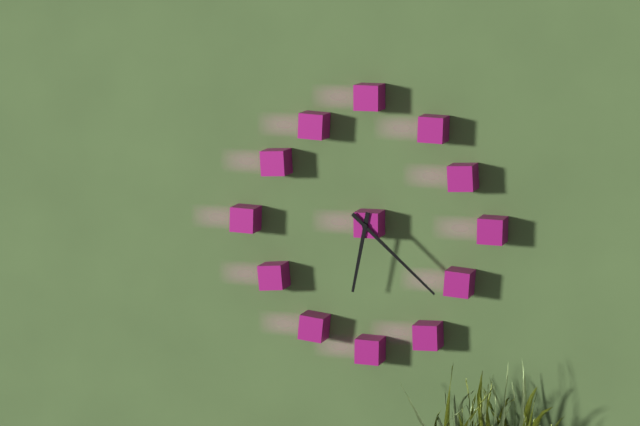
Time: {"hour": 6, "minute": 22}
